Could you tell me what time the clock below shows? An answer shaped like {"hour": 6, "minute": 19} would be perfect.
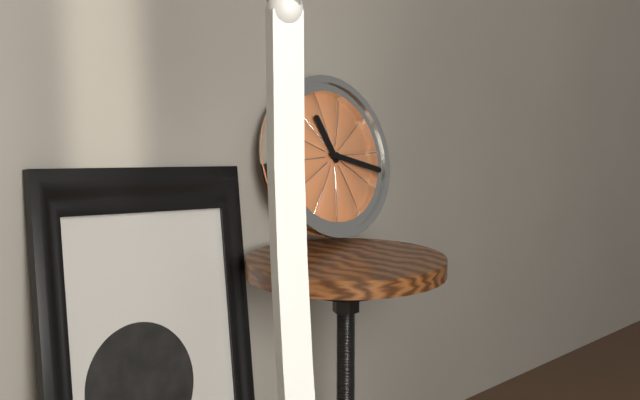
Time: {"hour": 11, "minute": 18}
